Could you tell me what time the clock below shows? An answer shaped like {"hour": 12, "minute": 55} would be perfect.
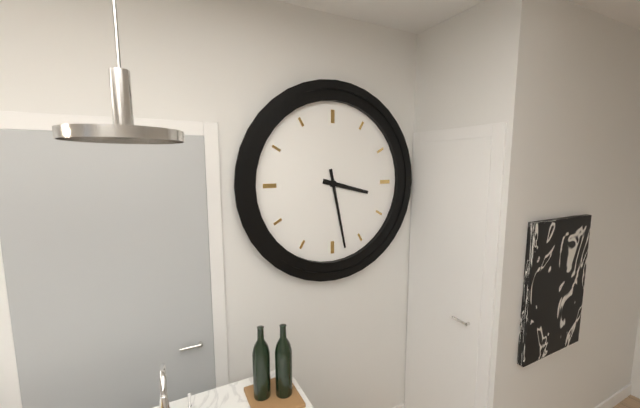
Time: {"hour": 3, "minute": 28}
